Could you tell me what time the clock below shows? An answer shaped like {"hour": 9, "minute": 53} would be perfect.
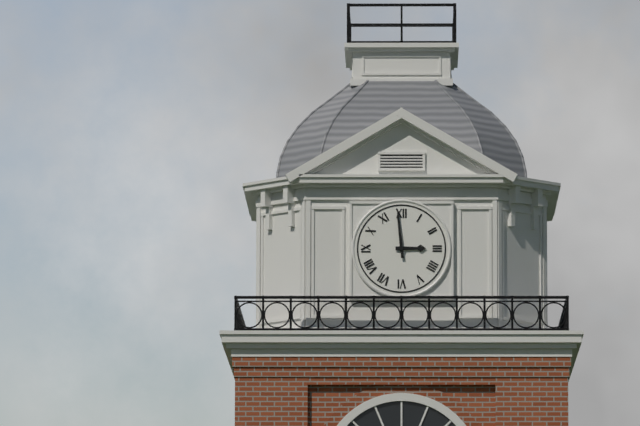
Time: {"hour": 2, "minute": 59}
